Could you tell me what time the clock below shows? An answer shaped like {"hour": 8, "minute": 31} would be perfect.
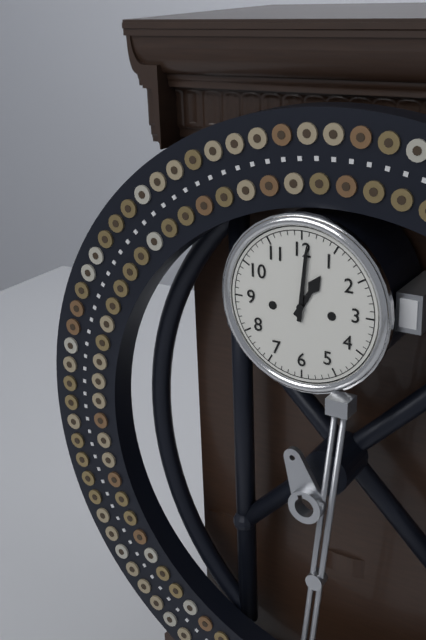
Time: {"hour": 1, "minute": 1}
